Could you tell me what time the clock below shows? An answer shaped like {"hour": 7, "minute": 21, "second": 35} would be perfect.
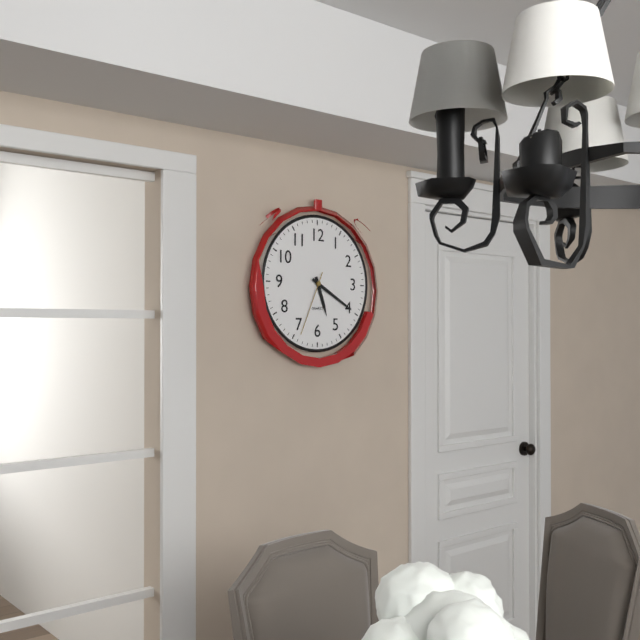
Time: {"hour": 5, "minute": 20, "second": 34}
